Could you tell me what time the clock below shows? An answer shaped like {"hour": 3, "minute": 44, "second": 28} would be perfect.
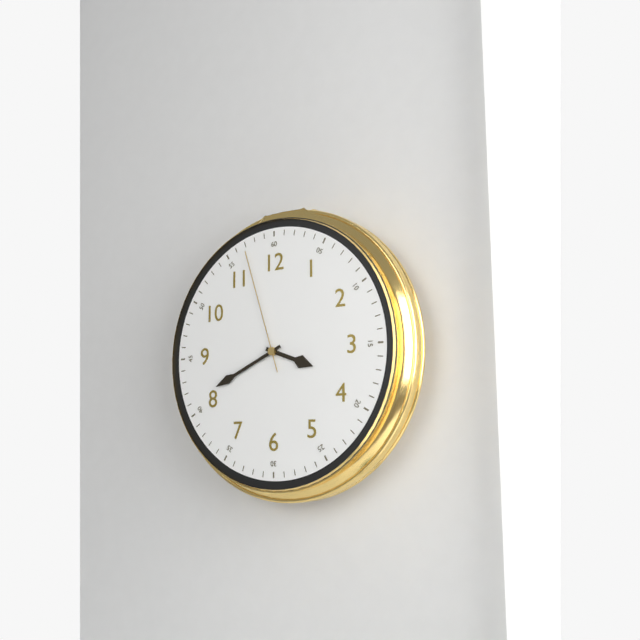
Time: {"hour": 3, "minute": 41, "second": 57}
